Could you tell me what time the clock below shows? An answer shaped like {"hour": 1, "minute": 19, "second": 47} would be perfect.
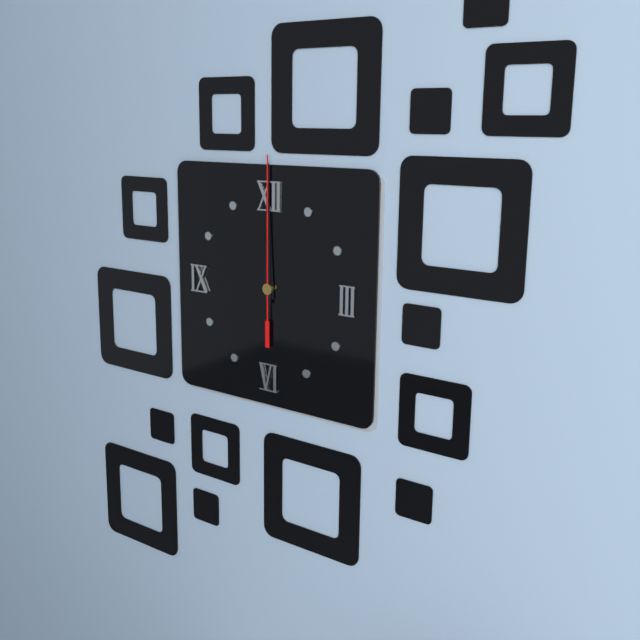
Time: {"hour": 12, "minute": 0, "second": 0}
